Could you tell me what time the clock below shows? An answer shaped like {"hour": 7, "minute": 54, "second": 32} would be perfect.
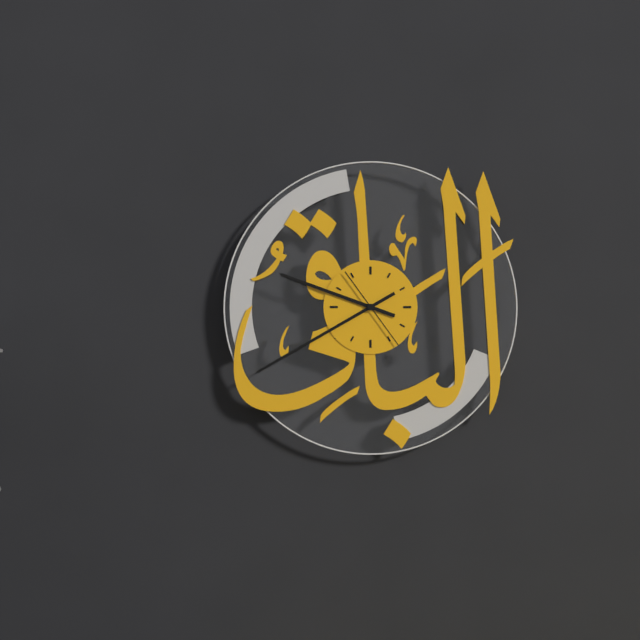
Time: {"hour": 9, "minute": 40, "second": 24}
